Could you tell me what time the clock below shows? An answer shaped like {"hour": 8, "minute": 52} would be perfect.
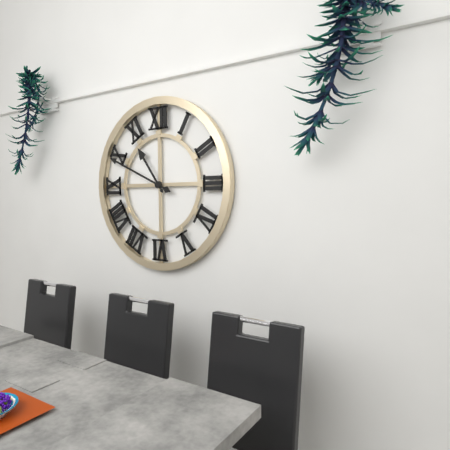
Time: {"hour": 10, "minute": 49}
